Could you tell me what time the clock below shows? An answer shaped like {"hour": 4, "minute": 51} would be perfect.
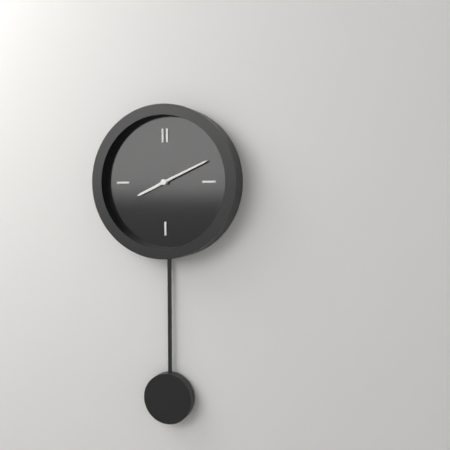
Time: {"hour": 8, "minute": 11}
